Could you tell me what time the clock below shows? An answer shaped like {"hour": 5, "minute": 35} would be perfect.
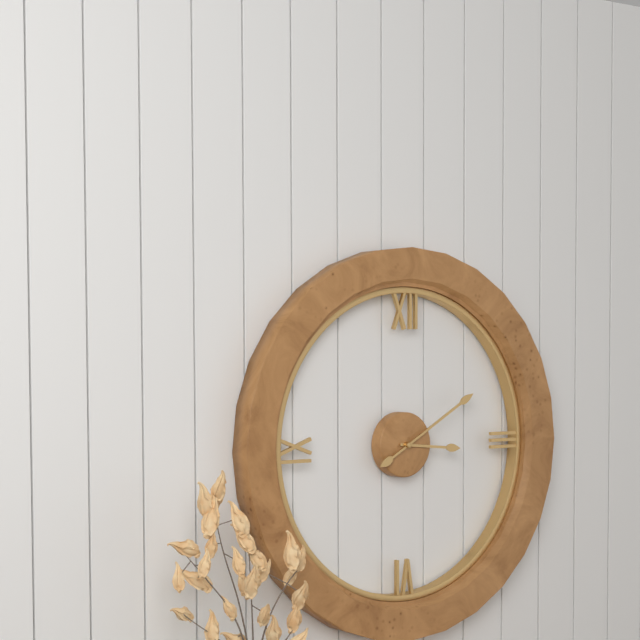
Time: {"hour": 3, "minute": 10}
